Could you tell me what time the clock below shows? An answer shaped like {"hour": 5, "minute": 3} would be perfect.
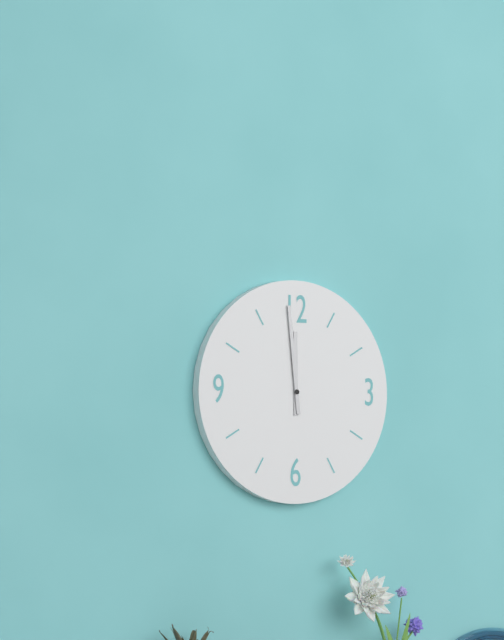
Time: {"hour": 11, "minute": 59}
